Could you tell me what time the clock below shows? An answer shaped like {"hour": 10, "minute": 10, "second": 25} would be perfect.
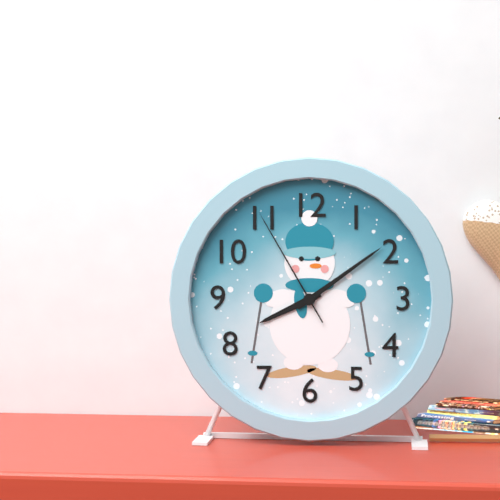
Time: {"hour": 8, "minute": 9, "second": 55}
